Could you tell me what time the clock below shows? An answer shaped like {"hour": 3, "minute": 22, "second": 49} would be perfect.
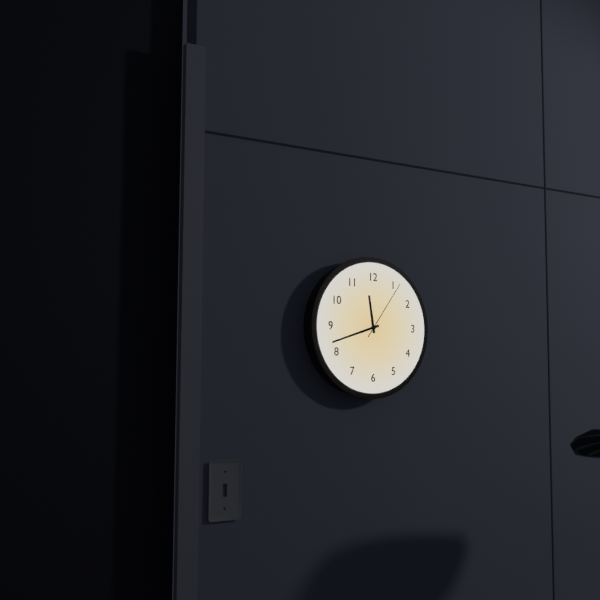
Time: {"hour": 11, "minute": 42, "second": 6}
